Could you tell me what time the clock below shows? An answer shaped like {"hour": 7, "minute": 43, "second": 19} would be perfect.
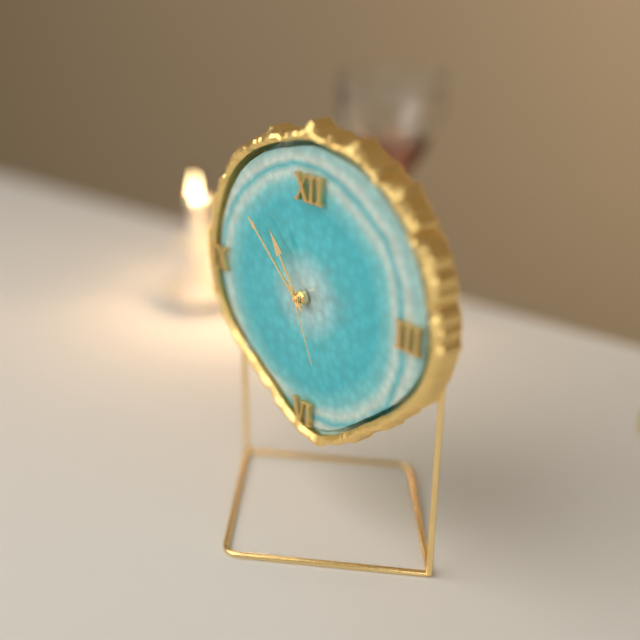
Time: {"hour": 10, "minute": 52, "second": 26}
